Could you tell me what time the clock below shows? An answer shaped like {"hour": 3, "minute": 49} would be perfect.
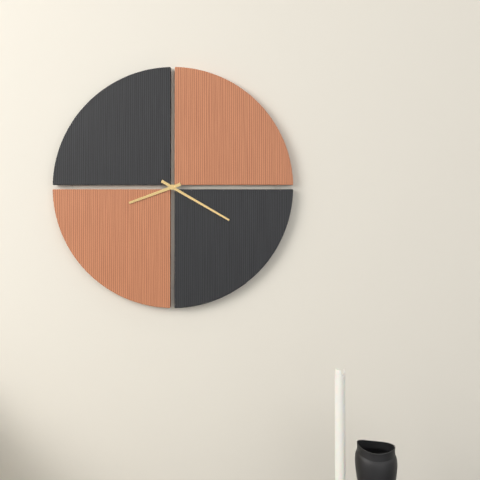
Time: {"hour": 8, "minute": 20}
